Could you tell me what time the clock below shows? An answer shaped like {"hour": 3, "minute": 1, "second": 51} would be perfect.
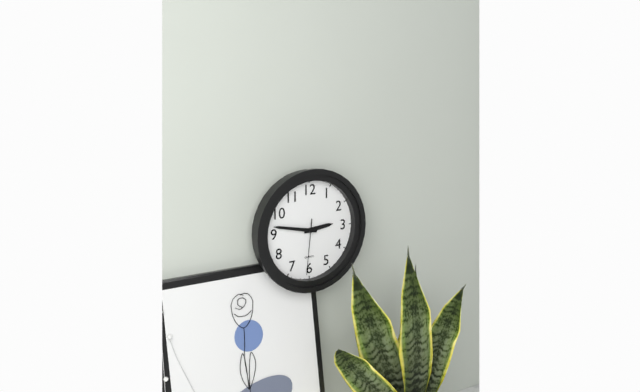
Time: {"hour": 2, "minute": 47, "second": 31}
